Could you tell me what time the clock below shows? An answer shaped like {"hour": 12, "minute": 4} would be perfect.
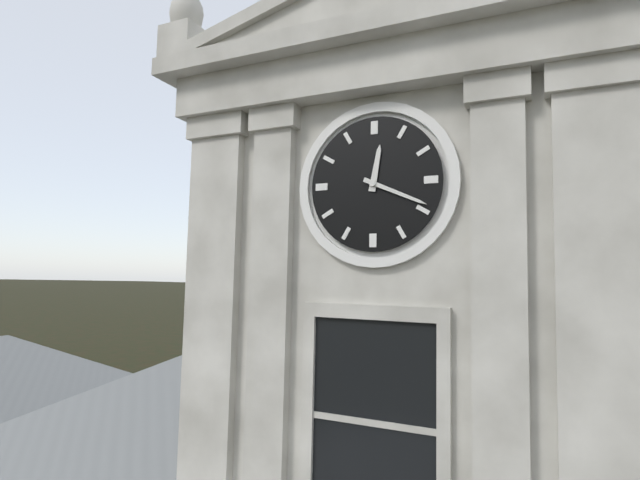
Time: {"hour": 12, "minute": 19}
